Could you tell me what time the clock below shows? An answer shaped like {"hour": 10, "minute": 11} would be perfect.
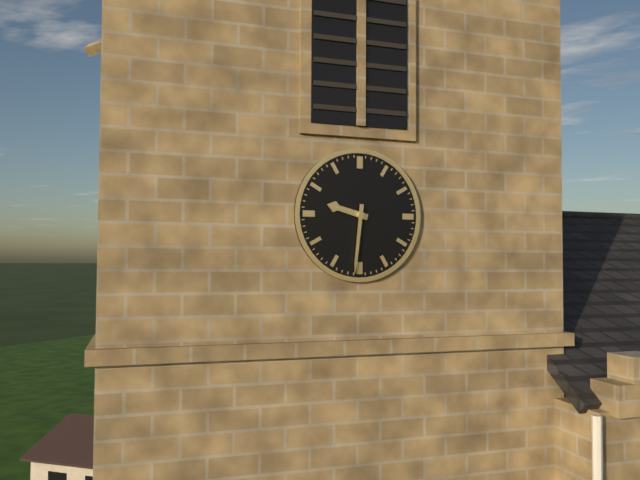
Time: {"hour": 9, "minute": 31}
